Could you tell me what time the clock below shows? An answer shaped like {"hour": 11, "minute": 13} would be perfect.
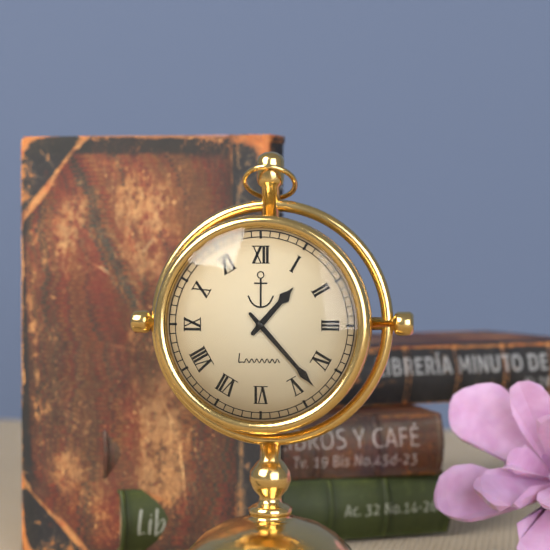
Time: {"hour": 1, "minute": 23}
